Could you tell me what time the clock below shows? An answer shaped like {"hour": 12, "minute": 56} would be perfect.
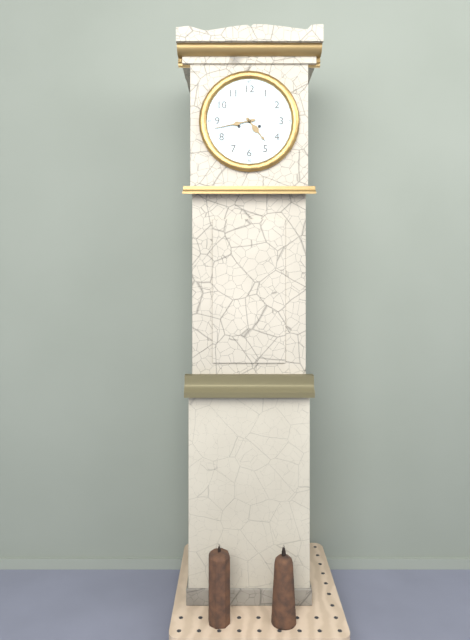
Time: {"hour": 4, "minute": 43}
